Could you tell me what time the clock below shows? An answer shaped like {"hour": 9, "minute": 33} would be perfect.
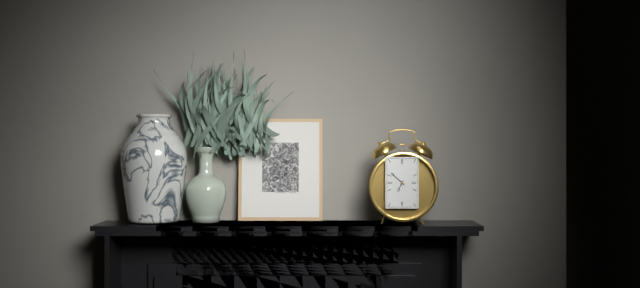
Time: {"hour": 6, "minute": 52}
